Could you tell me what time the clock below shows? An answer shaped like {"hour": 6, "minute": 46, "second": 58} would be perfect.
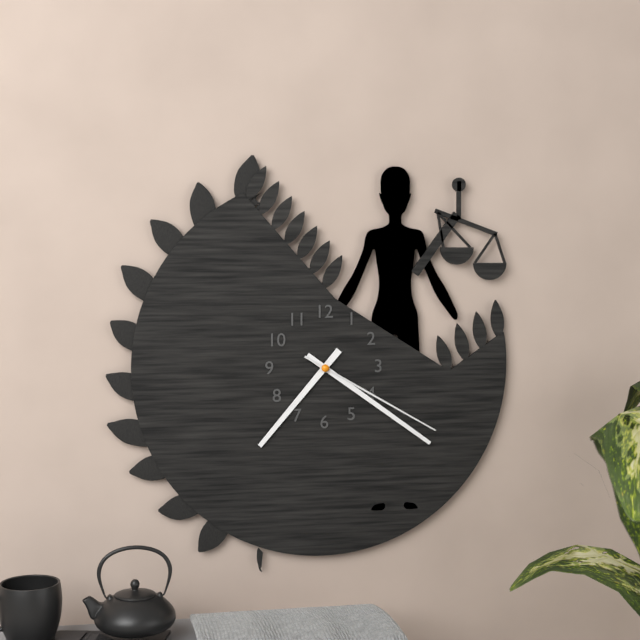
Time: {"hour": 7, "minute": 21, "second": 20}
